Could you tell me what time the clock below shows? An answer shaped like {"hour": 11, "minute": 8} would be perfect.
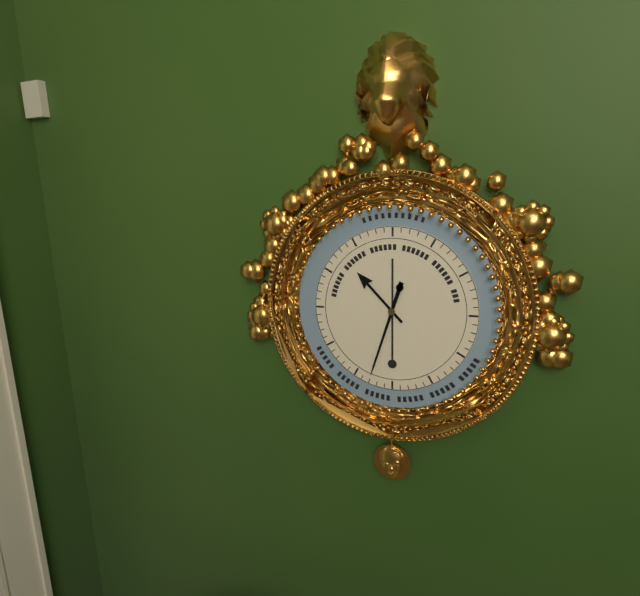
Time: {"hour": 10, "minute": 33}
